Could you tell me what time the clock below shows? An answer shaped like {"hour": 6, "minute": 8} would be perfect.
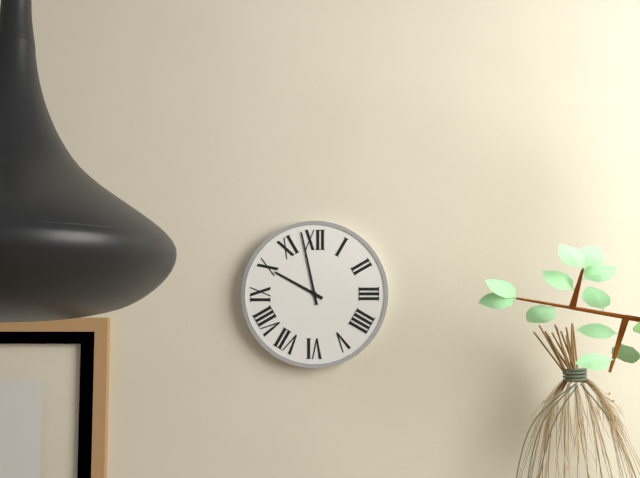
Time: {"hour": 9, "minute": 58}
